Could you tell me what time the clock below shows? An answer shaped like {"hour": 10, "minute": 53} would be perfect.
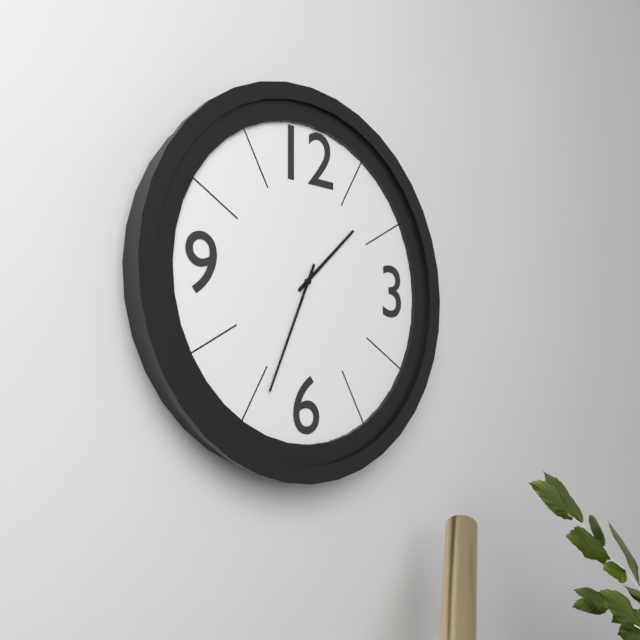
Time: {"hour": 1, "minute": 34}
